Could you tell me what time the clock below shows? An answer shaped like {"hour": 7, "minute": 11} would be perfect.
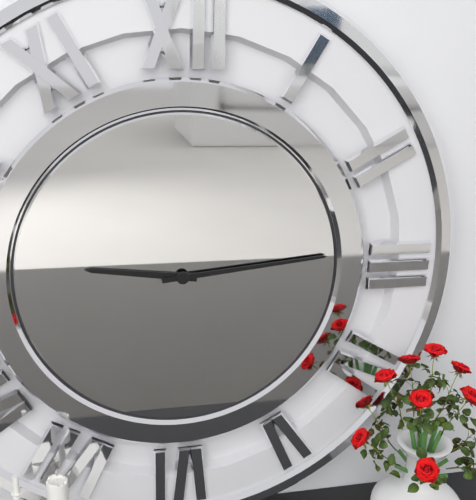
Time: {"hour": 9, "minute": 14}
